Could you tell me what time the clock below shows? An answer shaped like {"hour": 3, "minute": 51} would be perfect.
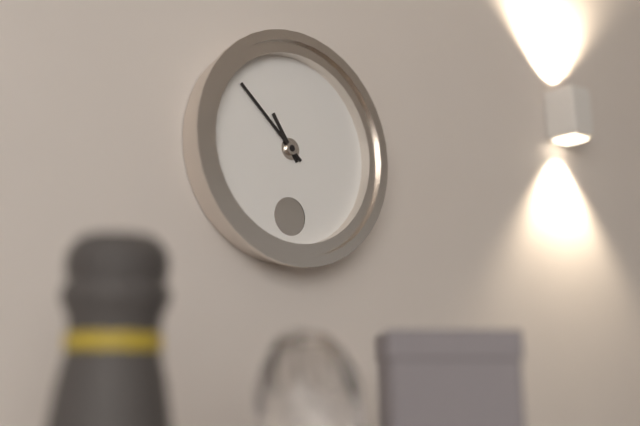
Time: {"hour": 10, "minute": 52}
